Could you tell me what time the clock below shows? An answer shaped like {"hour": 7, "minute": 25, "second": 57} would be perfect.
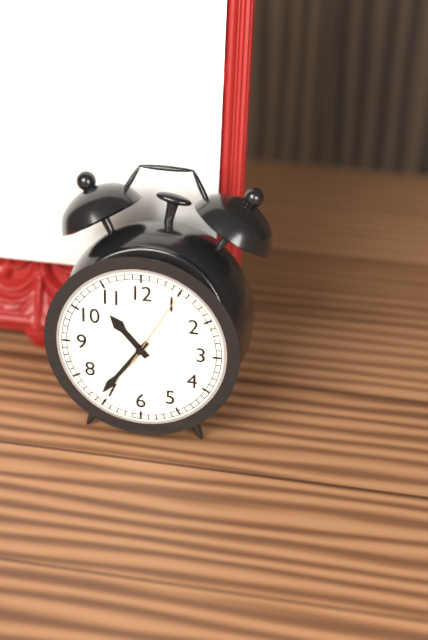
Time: {"hour": 10, "minute": 36, "second": 5}
